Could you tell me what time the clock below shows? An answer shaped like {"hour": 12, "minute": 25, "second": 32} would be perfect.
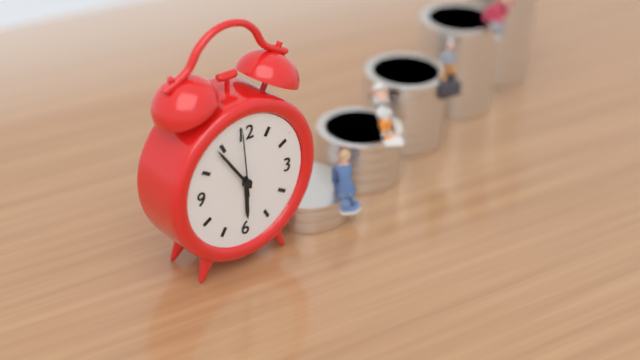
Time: {"hour": 5, "minute": 54, "second": 59}
